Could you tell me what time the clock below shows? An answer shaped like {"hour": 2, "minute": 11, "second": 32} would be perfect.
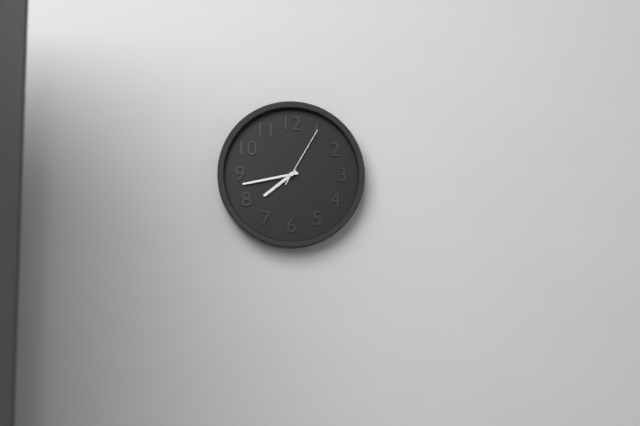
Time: {"hour": 7, "minute": 43, "second": 5}
